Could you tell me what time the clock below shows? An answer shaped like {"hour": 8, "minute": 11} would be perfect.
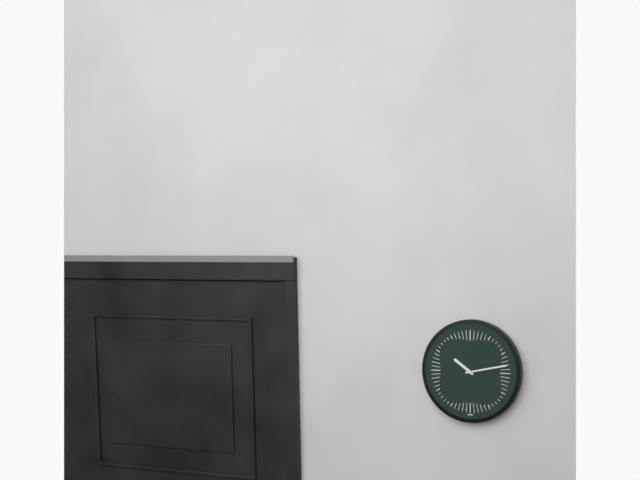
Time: {"hour": 10, "minute": 13}
